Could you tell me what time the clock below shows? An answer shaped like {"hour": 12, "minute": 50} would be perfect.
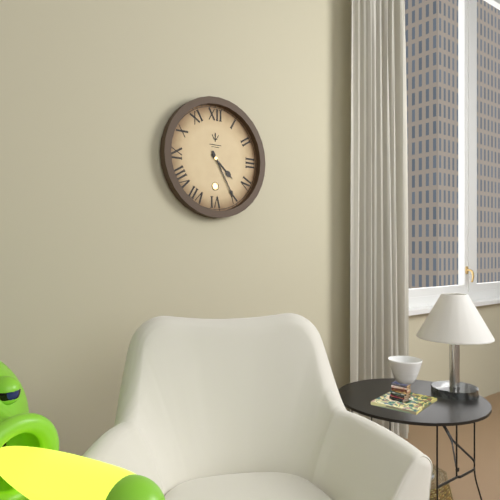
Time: {"hour": 4, "minute": 25}
